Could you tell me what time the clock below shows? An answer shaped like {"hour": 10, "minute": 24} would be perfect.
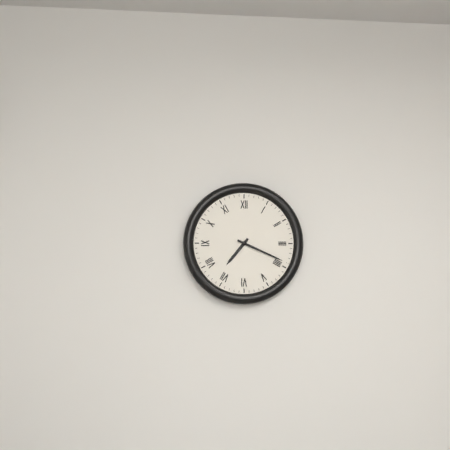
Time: {"hour": 7, "minute": 19}
